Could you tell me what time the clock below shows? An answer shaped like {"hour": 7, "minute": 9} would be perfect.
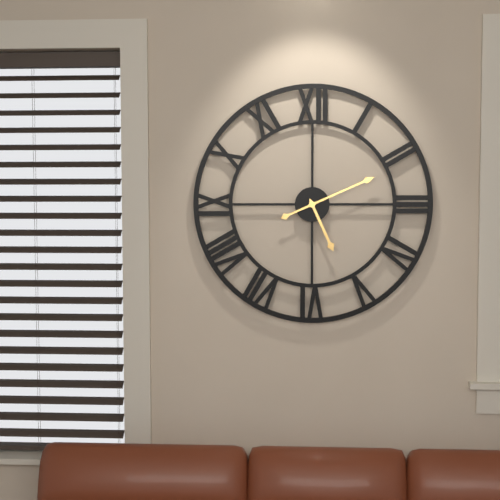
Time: {"hour": 5, "minute": 11}
